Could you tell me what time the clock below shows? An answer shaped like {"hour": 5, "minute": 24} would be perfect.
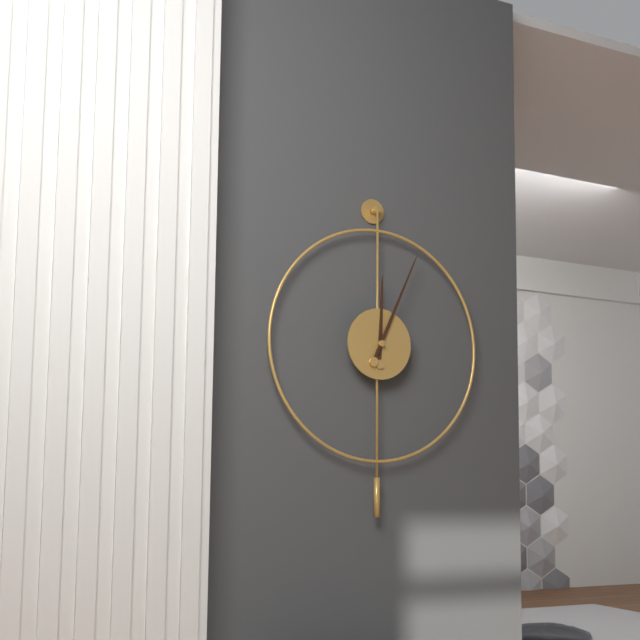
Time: {"hour": 12, "minute": 4}
